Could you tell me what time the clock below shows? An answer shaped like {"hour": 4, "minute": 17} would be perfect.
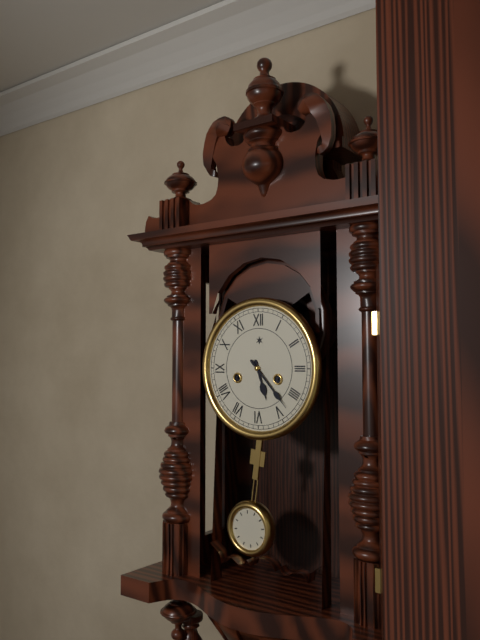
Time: {"hour": 5, "minute": 23}
